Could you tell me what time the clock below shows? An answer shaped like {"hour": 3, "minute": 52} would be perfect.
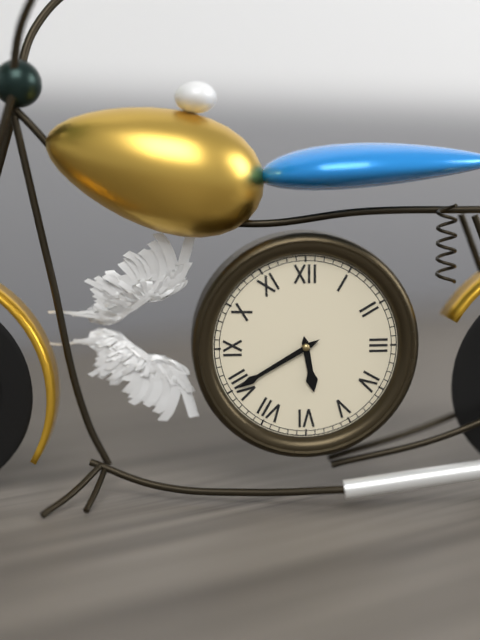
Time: {"hour": 5, "minute": 40}
